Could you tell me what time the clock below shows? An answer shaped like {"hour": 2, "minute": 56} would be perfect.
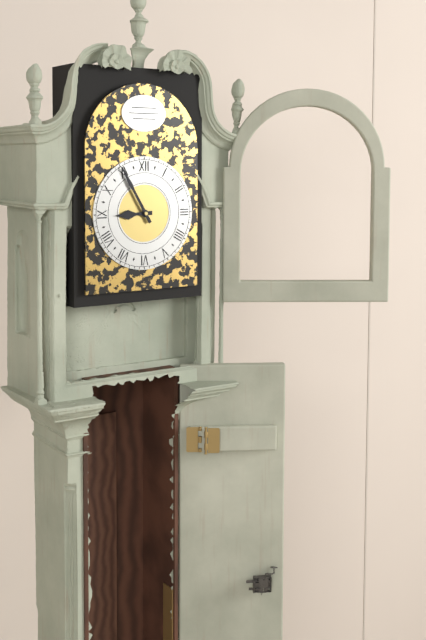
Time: {"hour": 8, "minute": 55}
